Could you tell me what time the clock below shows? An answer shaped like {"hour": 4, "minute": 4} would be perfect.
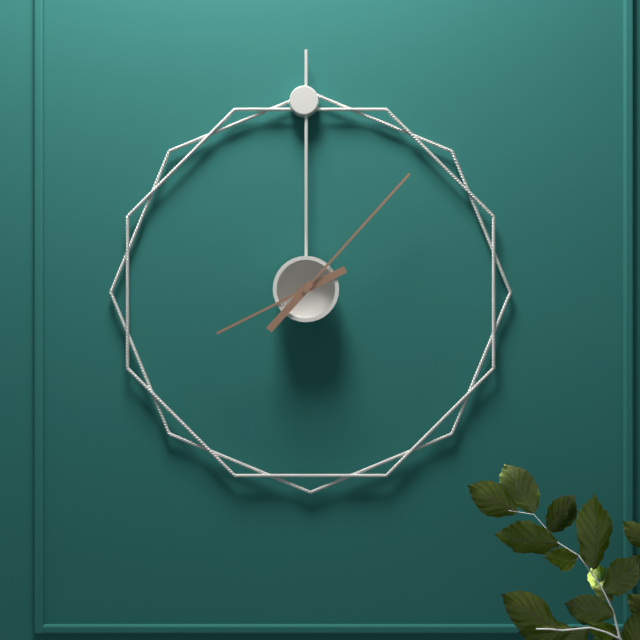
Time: {"hour": 8, "minute": 7}
